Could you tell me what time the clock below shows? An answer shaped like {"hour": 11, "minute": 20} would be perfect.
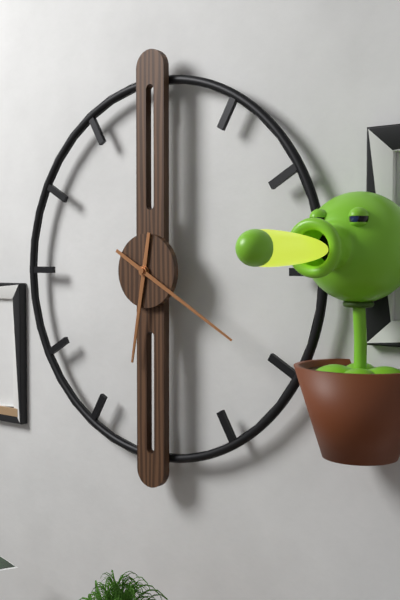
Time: {"hour": 6, "minute": 20}
